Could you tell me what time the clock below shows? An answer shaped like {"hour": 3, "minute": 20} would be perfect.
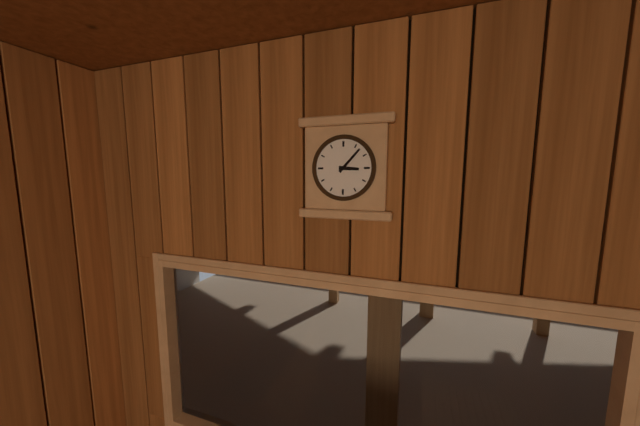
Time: {"hour": 3, "minute": 7}
